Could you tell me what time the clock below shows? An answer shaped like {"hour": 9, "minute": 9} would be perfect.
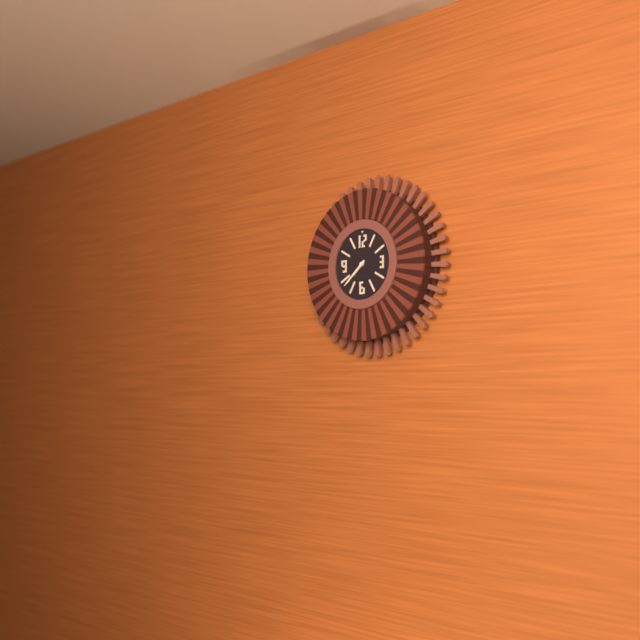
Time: {"hour": 7, "minute": 38}
